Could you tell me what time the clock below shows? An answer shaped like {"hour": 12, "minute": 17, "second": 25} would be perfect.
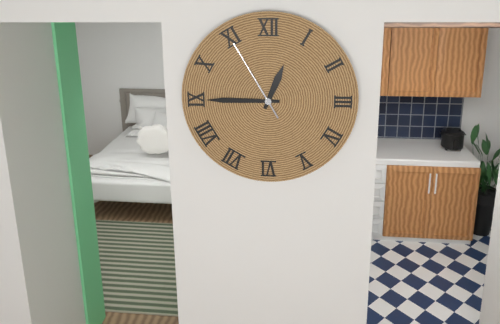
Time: {"hour": 12, "minute": 45, "second": 55}
